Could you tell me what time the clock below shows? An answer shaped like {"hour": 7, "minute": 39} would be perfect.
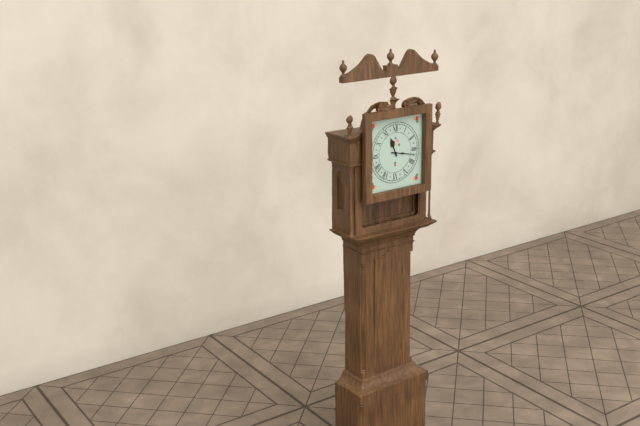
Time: {"hour": 11, "minute": 17}
